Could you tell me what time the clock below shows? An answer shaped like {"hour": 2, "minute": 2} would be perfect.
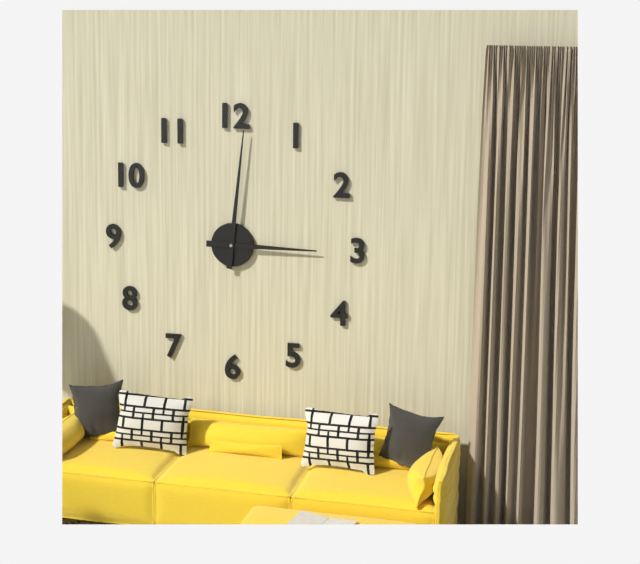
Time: {"hour": 3, "minute": 1}
